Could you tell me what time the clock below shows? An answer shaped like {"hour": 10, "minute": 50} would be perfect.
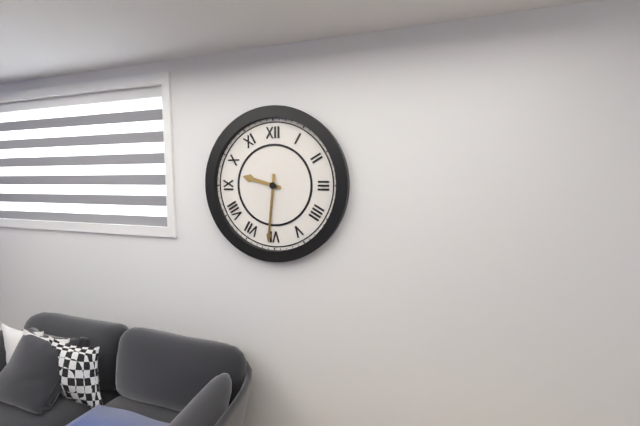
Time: {"hour": 9, "minute": 31}
